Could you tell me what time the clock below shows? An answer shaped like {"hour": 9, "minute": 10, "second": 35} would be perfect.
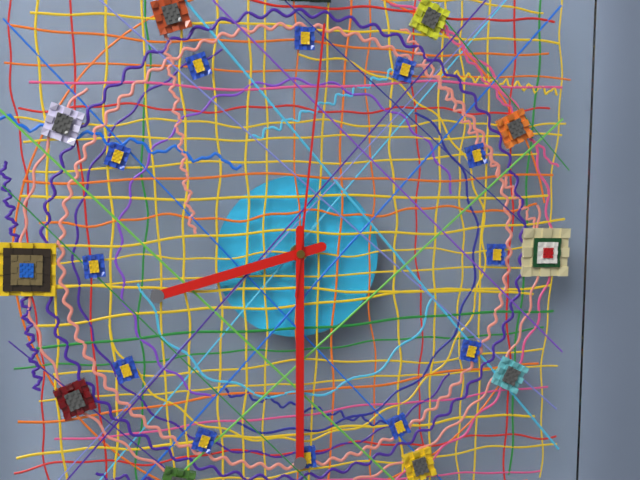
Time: {"hour": 8, "minute": 30, "second": 1}
